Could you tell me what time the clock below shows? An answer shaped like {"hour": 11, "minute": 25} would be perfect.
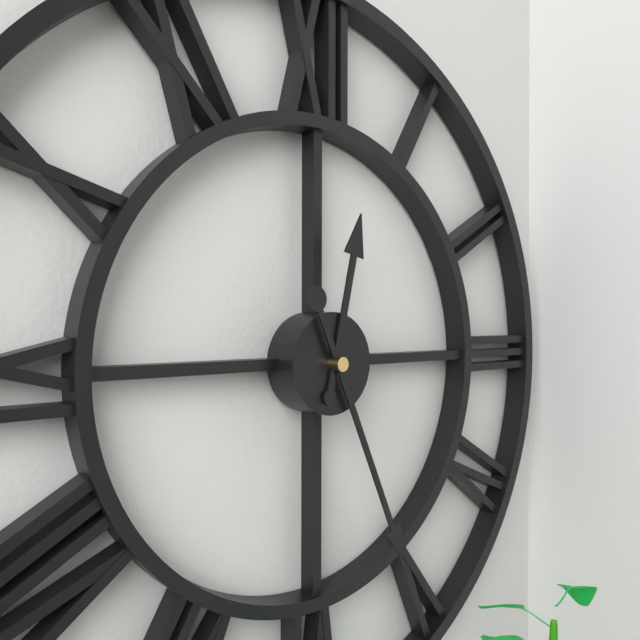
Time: {"hour": 12, "minute": 26}
